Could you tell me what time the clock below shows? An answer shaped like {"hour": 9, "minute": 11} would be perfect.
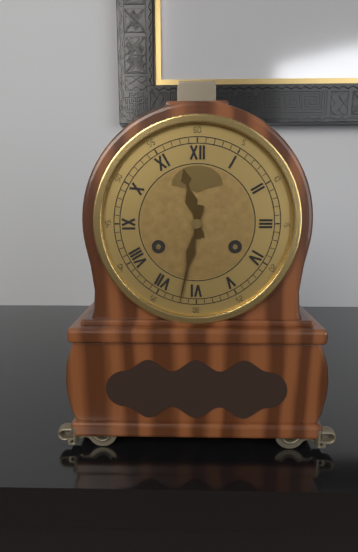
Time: {"hour": 11, "minute": 32}
